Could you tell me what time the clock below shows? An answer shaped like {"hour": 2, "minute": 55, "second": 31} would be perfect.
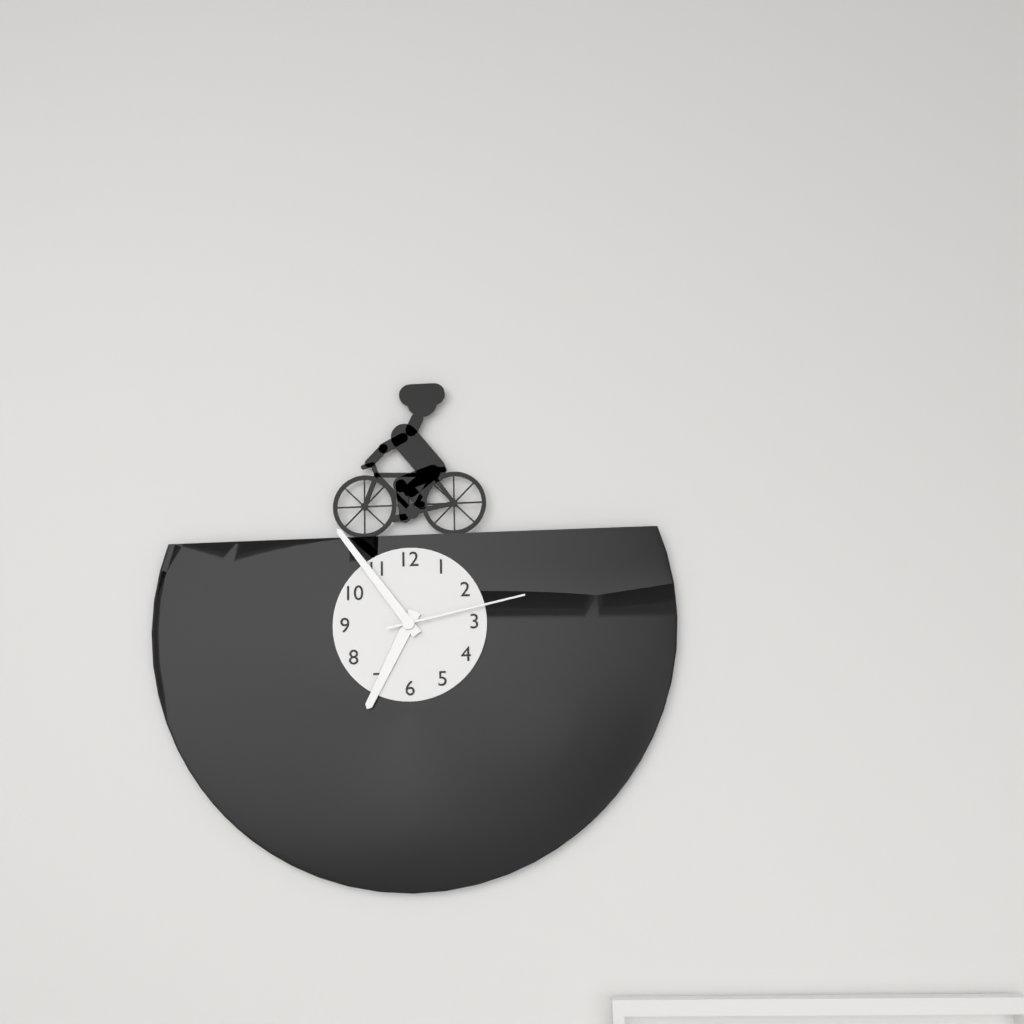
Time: {"hour": 6, "minute": 54, "second": 13}
